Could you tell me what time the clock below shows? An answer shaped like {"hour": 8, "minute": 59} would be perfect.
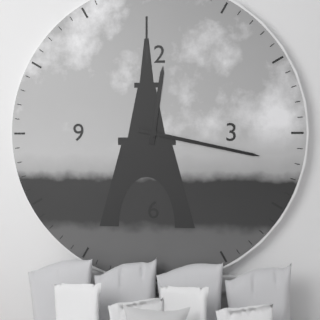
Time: {"hour": 12, "minute": 17}
